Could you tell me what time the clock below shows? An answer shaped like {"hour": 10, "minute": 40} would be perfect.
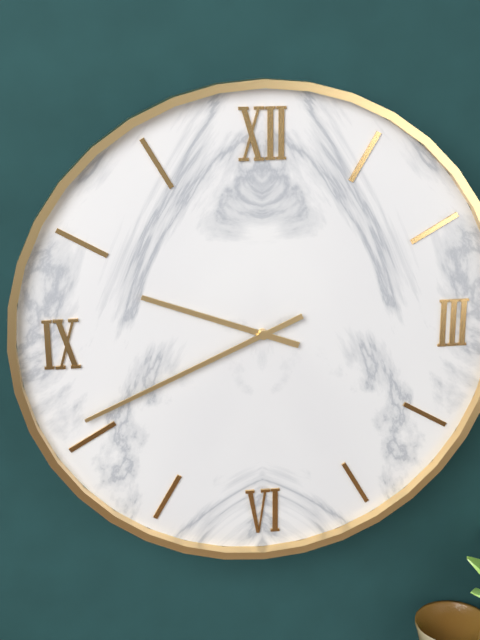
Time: {"hour": 9, "minute": 41}
